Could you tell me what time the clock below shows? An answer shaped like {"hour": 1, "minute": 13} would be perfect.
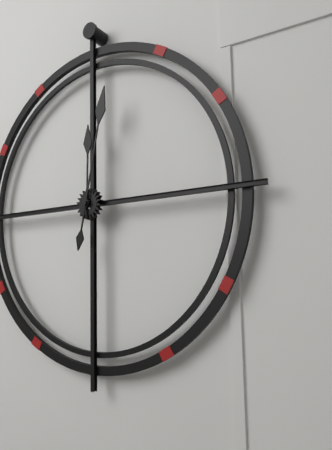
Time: {"hour": 12, "minute": 2}
